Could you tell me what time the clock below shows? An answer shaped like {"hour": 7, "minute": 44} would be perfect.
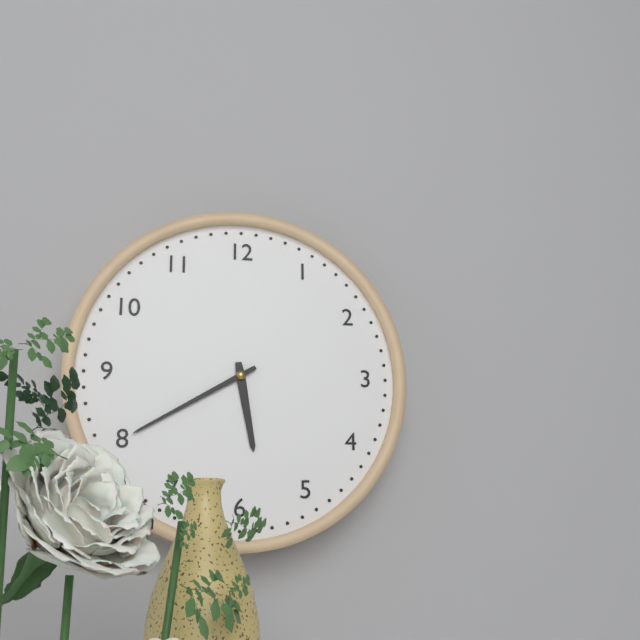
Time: {"hour": 5, "minute": 40}
